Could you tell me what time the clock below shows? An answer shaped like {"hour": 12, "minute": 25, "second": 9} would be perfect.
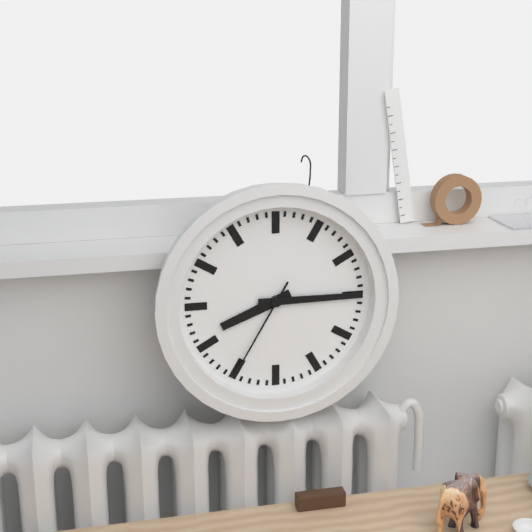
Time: {"hour": 8, "minute": 15, "second": 35}
